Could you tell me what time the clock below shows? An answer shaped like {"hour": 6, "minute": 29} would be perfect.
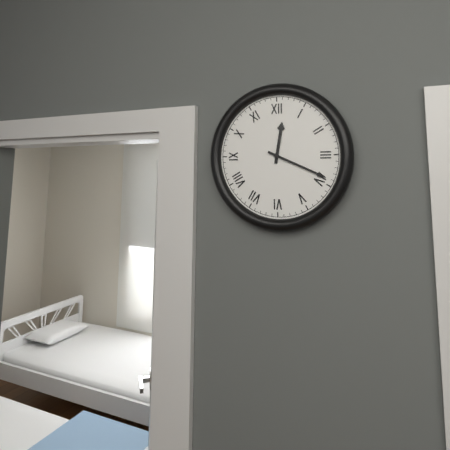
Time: {"hour": 12, "minute": 19}
